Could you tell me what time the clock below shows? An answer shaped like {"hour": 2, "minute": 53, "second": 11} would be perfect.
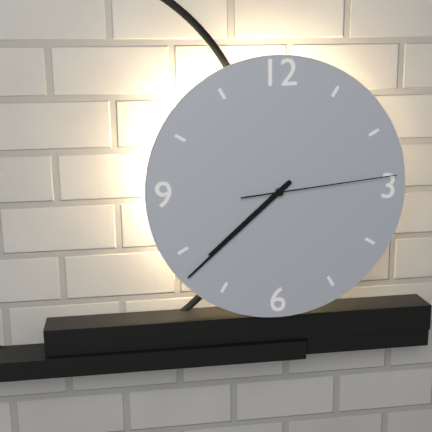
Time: {"hour": 7, "minute": 38, "second": 14}
